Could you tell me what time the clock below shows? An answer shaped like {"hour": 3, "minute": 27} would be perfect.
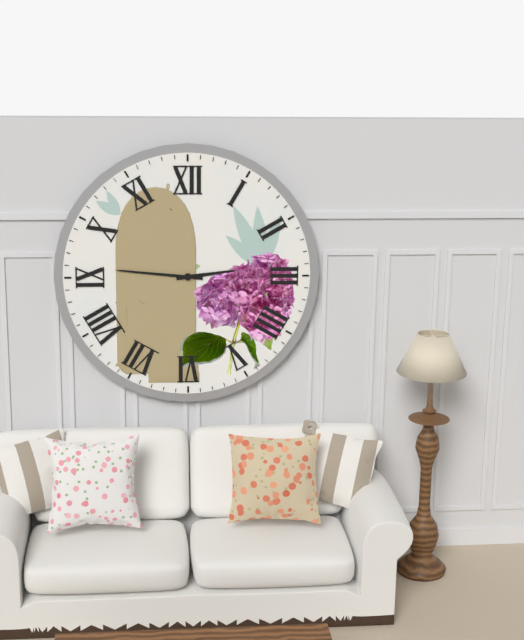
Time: {"hour": 2, "minute": 46}
